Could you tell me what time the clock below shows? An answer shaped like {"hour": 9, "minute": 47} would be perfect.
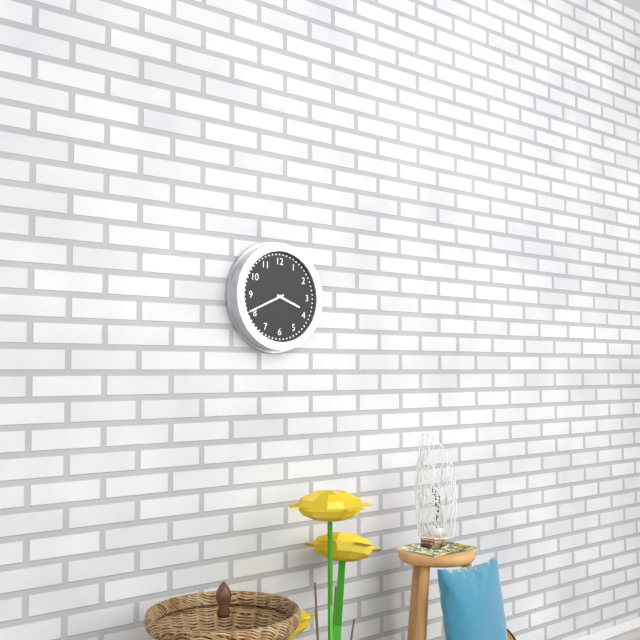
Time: {"hour": 3, "minute": 41}
